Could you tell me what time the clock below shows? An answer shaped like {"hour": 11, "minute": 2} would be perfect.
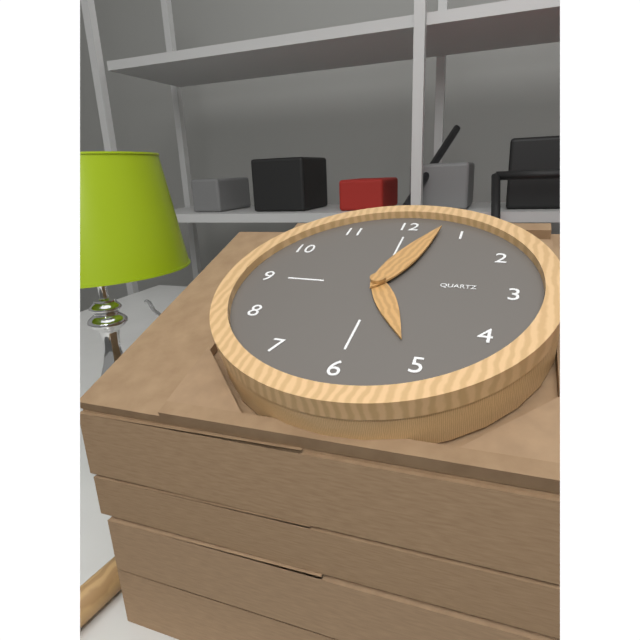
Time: {"hour": 5, "minute": 3}
